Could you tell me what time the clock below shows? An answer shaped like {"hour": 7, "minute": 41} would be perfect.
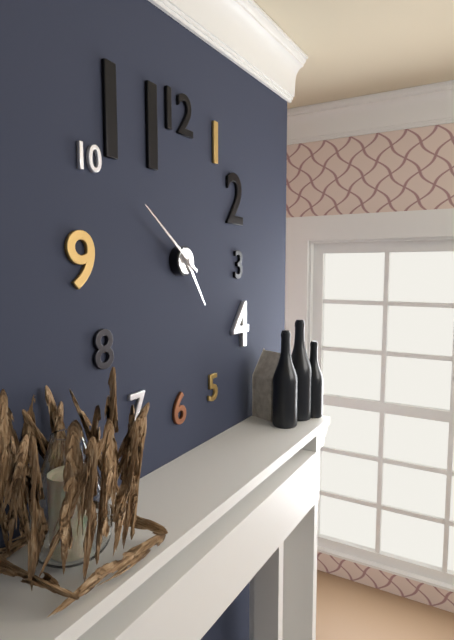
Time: {"hour": 4, "minute": 51}
